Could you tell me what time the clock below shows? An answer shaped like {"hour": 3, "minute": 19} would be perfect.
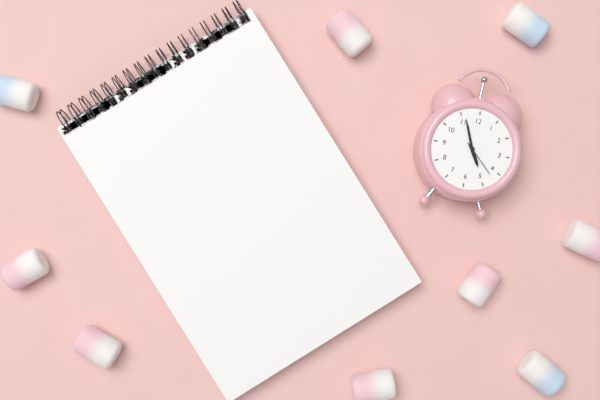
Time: {"hour": 4, "minute": 56}
